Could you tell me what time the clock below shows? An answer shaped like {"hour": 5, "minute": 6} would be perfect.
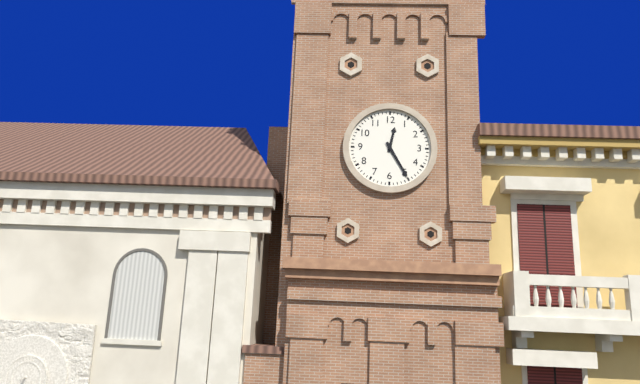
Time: {"hour": 12, "minute": 25}
